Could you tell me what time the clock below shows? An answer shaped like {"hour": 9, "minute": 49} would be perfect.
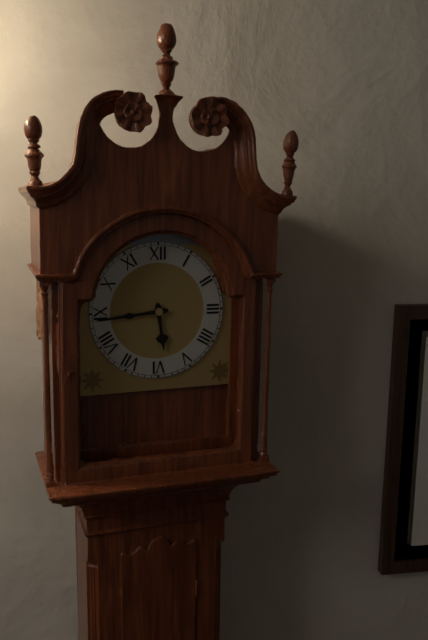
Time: {"hour": 5, "minute": 44}
